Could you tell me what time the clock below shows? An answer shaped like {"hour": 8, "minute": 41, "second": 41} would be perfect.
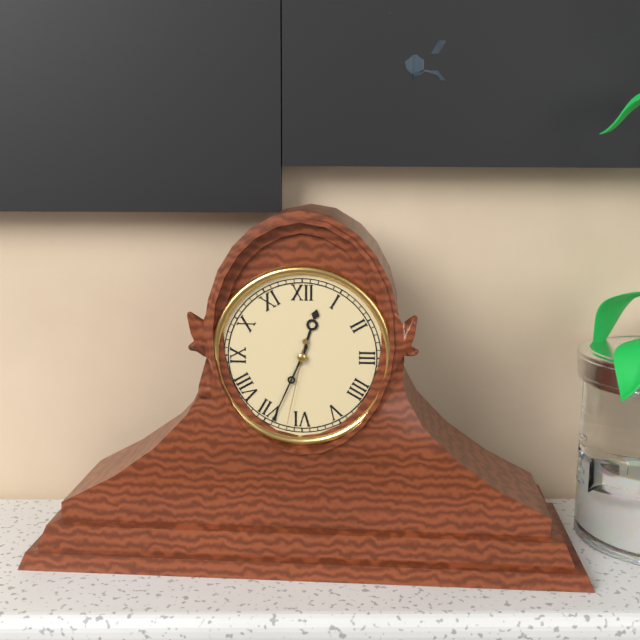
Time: {"hour": 12, "minute": 34, "second": 32}
